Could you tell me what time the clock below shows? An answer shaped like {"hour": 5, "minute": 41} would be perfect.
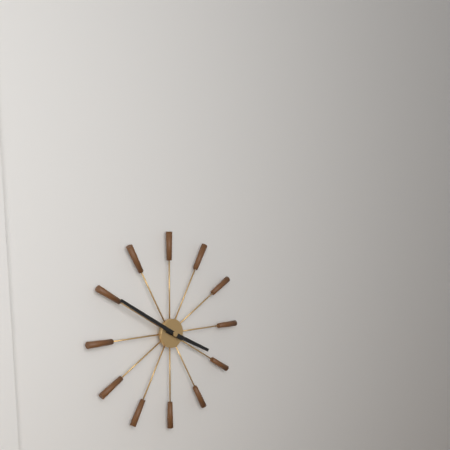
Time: {"hour": 3, "minute": 50}
